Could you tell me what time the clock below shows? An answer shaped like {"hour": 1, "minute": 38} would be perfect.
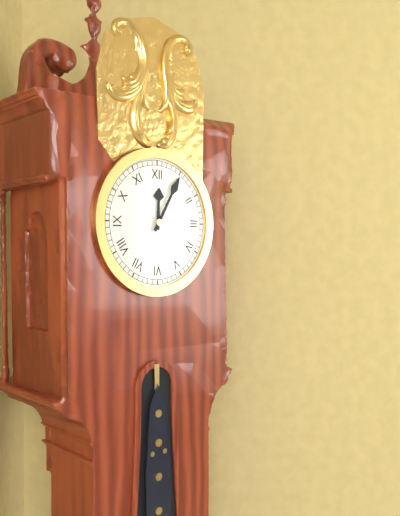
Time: {"hour": 12, "minute": 5}
